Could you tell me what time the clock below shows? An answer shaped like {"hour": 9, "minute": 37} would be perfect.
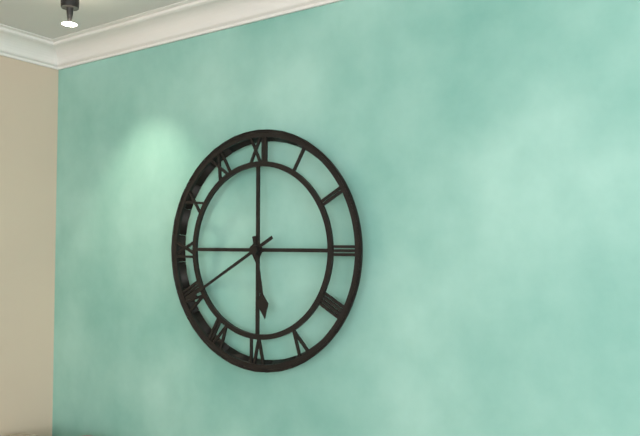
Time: {"hour": 5, "minute": 40}
